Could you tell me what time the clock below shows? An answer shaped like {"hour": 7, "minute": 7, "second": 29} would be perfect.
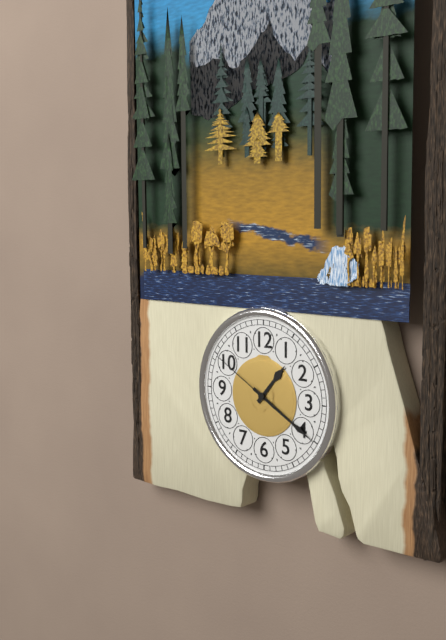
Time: {"hour": 1, "minute": 20, "second": 50}
